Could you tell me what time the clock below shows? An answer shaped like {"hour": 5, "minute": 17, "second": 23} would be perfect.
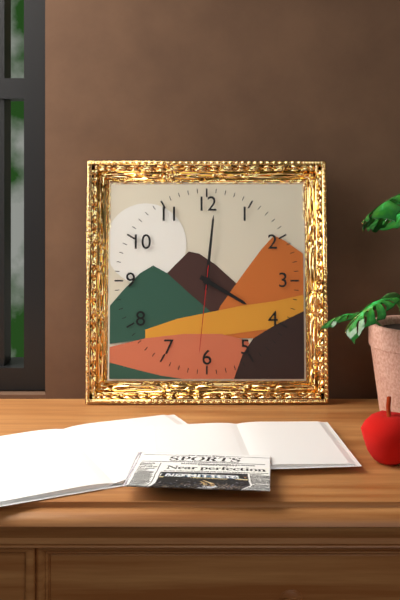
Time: {"hour": 4, "minute": 1, "second": 31}
